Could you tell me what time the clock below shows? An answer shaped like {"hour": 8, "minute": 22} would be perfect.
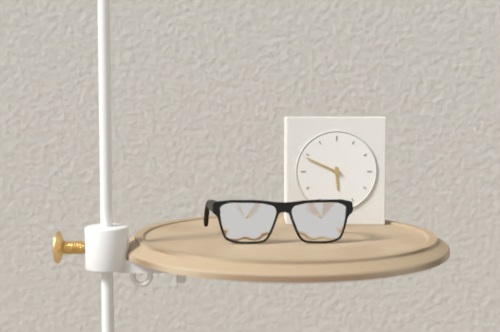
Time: {"hour": 5, "minute": 49}
